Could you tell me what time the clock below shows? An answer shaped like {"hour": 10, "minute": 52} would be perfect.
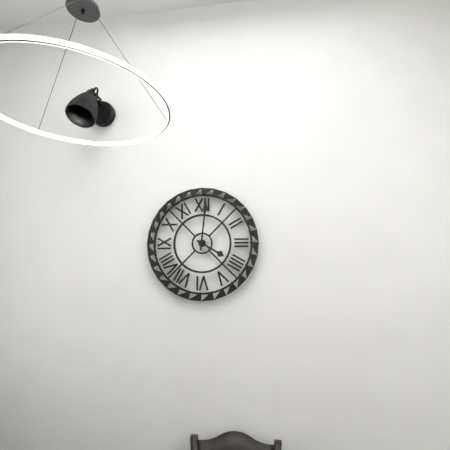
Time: {"hour": 4, "minute": 1}
